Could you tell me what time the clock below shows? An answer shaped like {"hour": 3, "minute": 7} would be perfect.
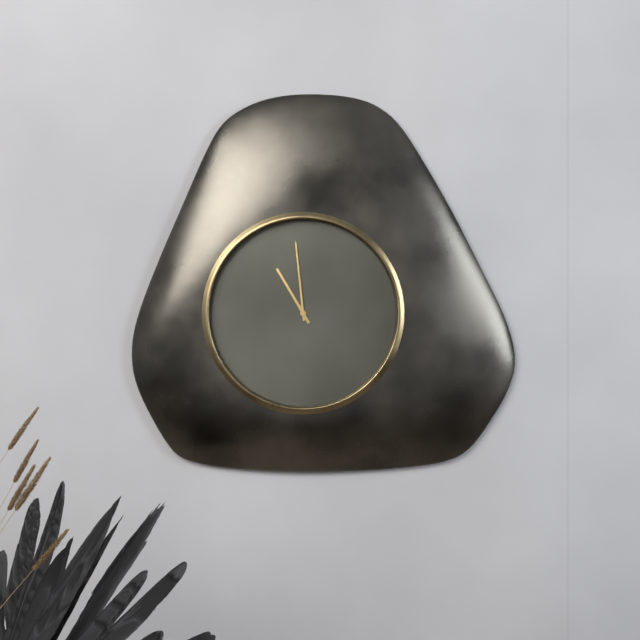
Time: {"hour": 10, "minute": 59}
